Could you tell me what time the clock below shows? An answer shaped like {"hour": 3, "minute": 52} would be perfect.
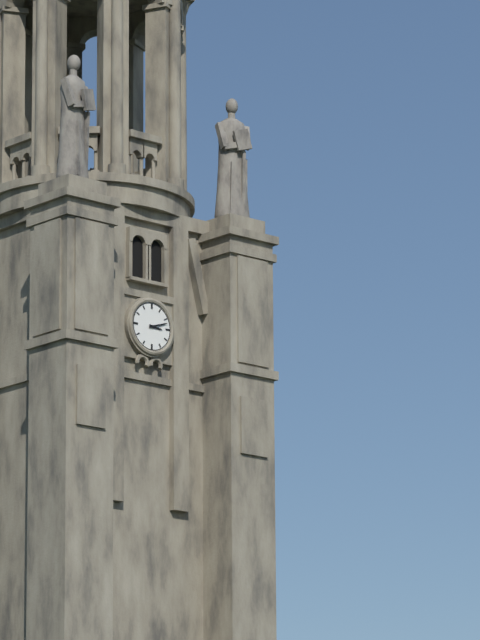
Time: {"hour": 3, "minute": 12}
